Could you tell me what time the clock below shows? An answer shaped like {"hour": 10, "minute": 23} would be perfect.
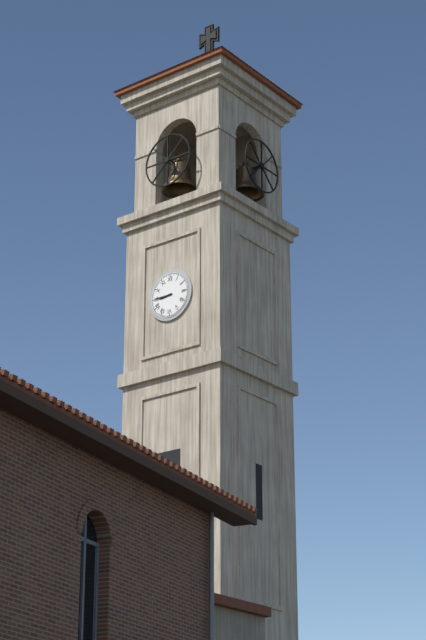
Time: {"hour": 8, "minute": 45}
